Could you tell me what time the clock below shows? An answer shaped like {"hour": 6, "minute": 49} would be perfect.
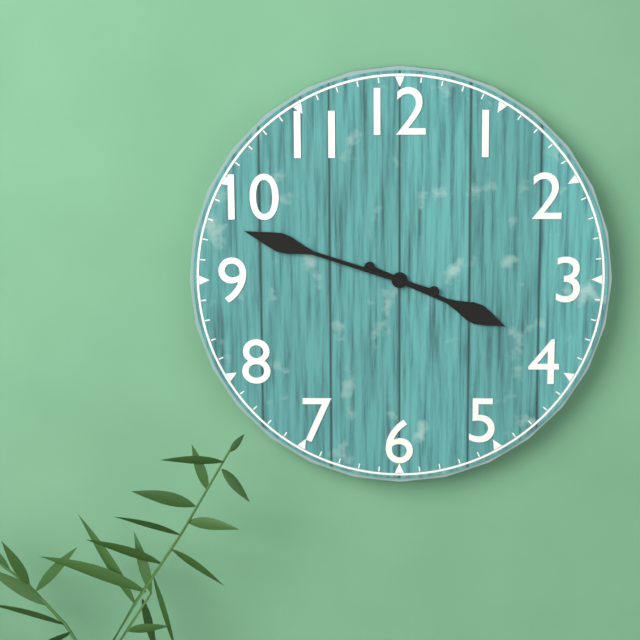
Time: {"hour": 3, "minute": 48}
